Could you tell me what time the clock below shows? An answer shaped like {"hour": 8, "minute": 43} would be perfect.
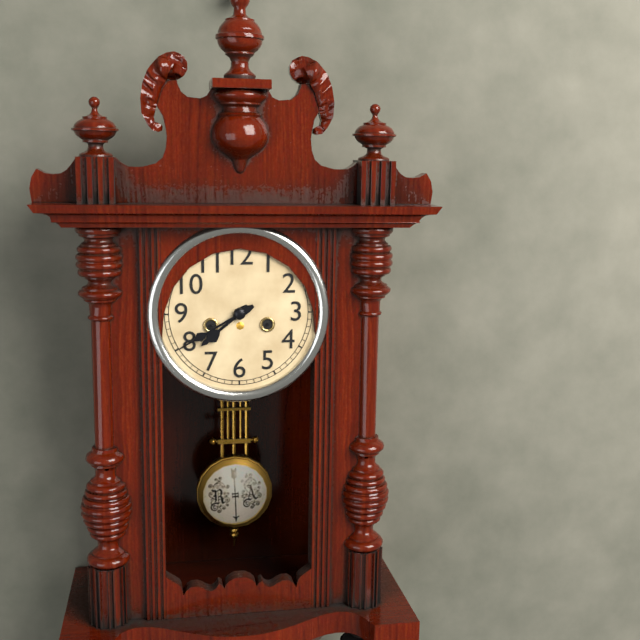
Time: {"hour": 7, "minute": 40}
